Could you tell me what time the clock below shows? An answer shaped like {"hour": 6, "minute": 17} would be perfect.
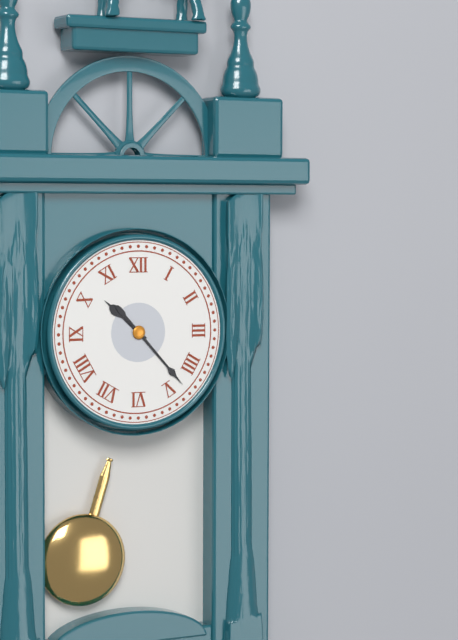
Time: {"hour": 10, "minute": 23}
